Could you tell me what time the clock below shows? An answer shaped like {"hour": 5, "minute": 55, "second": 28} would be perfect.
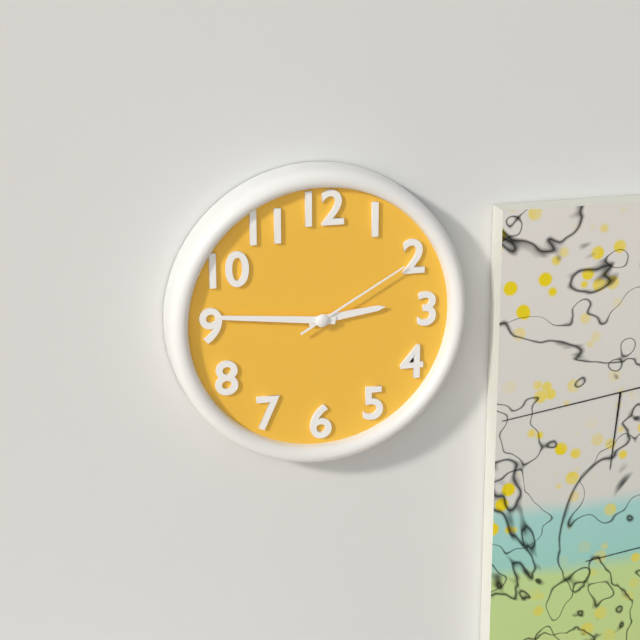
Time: {"hour": 2, "minute": 46, "second": 10}
